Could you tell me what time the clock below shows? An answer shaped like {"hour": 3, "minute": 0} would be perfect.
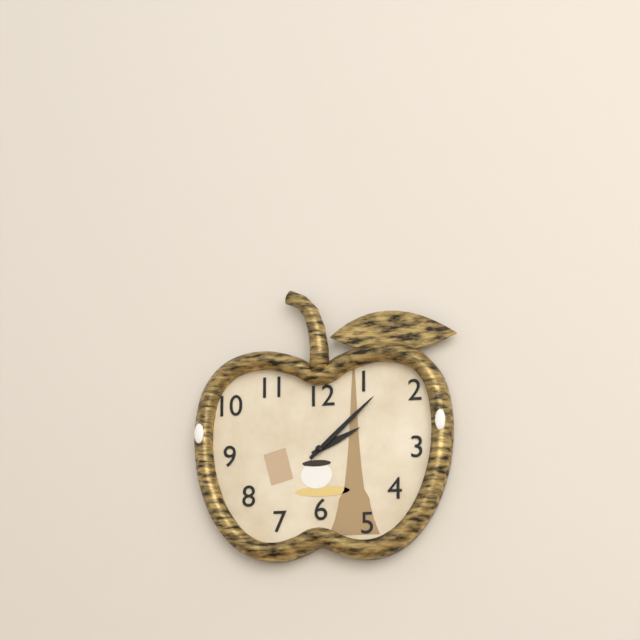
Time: {"hour": 2, "minute": 8}
